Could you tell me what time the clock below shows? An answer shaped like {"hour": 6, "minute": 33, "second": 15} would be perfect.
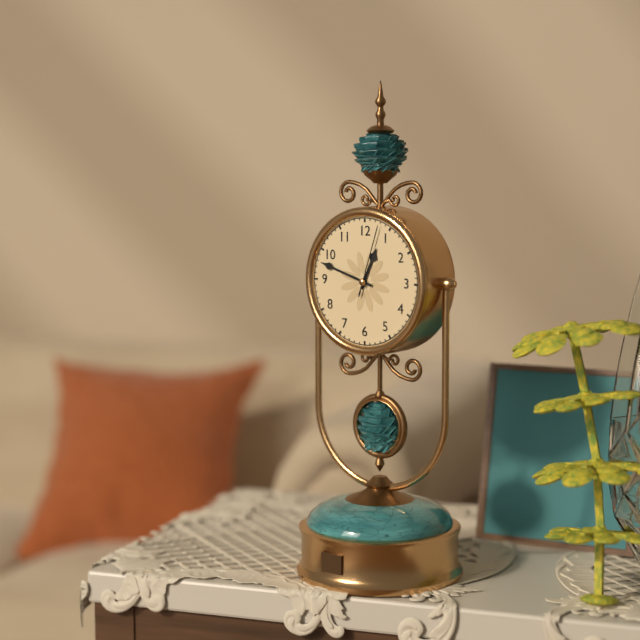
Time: {"hour": 12, "minute": 48, "second": 3}
